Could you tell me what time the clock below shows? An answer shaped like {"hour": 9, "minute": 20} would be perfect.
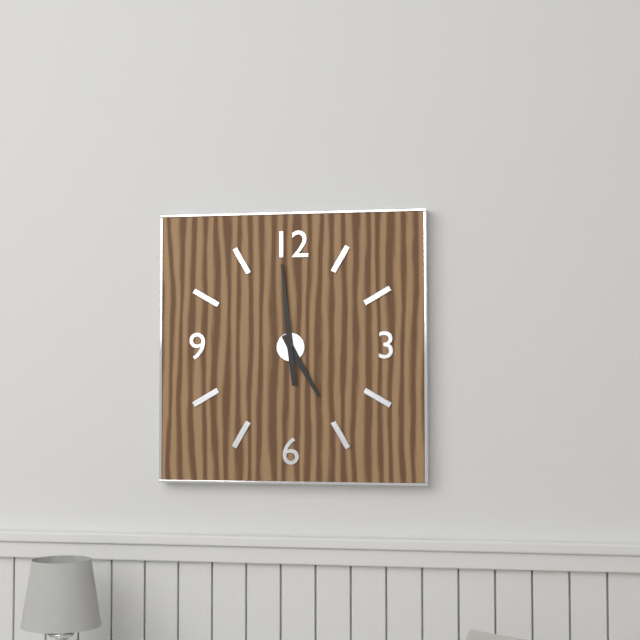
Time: {"hour": 4, "minute": 59}
